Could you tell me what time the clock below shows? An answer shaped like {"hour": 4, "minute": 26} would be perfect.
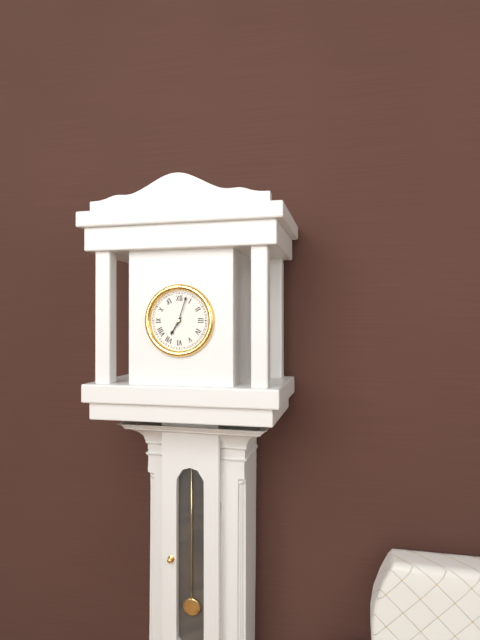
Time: {"hour": 7, "minute": 3}
